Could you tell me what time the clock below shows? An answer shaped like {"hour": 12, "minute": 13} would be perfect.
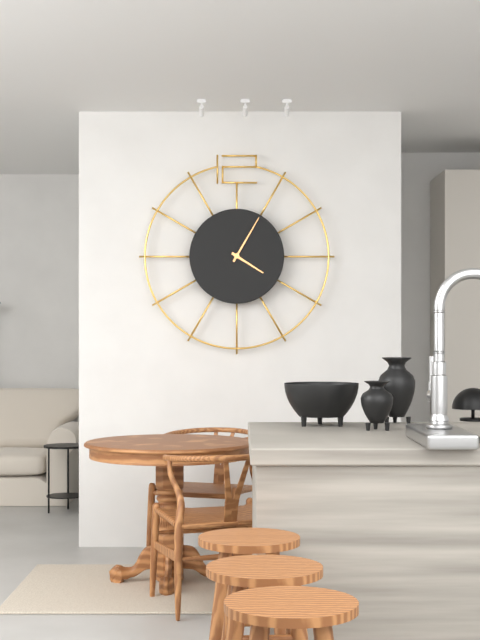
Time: {"hour": 4, "minute": 5}
